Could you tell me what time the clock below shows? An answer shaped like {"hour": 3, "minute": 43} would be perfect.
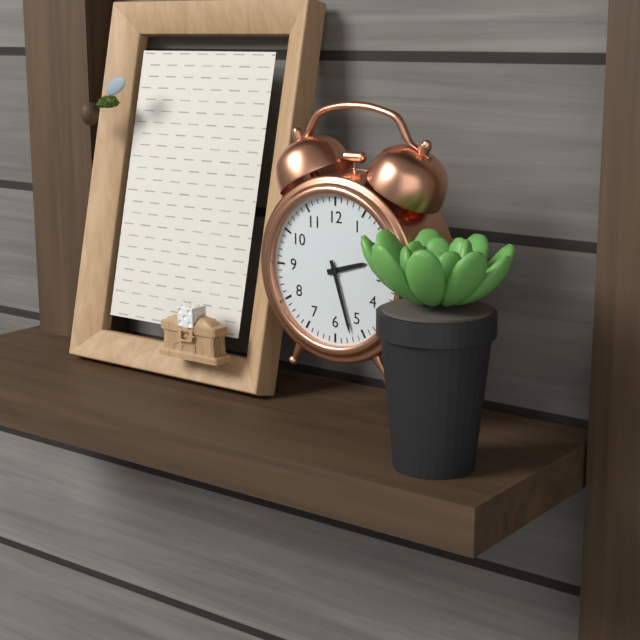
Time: {"hour": 2, "minute": 27}
